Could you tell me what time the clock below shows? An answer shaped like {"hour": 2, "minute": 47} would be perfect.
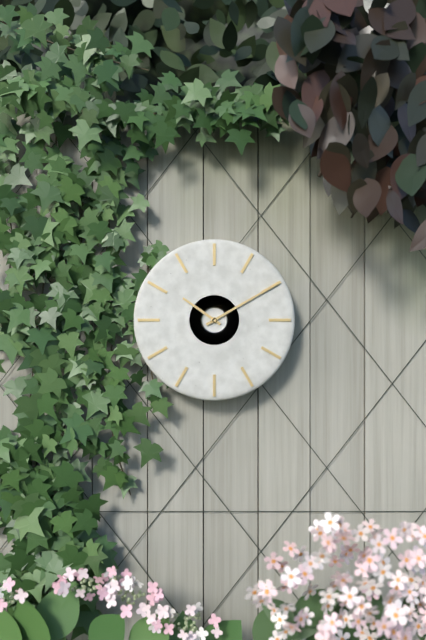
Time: {"hour": 10, "minute": 10}
